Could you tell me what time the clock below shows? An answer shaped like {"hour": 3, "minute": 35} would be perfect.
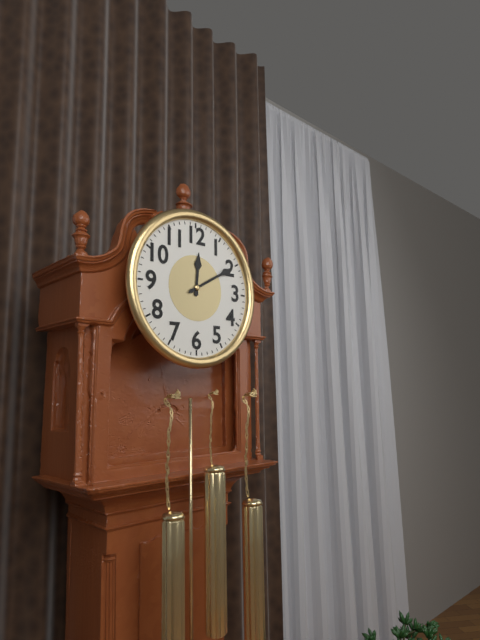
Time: {"hour": 12, "minute": 10}
